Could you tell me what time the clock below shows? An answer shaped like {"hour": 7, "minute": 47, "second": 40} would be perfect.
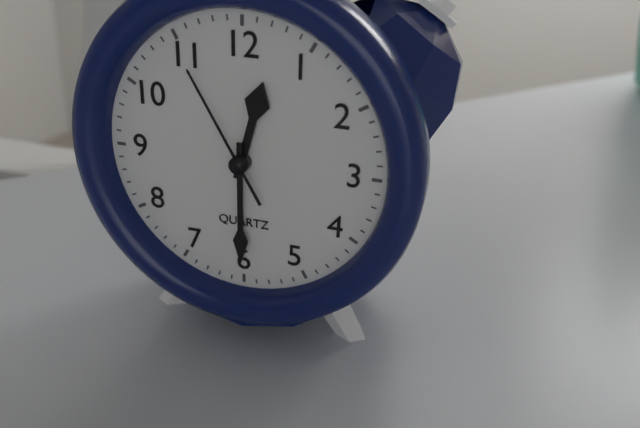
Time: {"hour": 12, "minute": 30, "second": 55}
